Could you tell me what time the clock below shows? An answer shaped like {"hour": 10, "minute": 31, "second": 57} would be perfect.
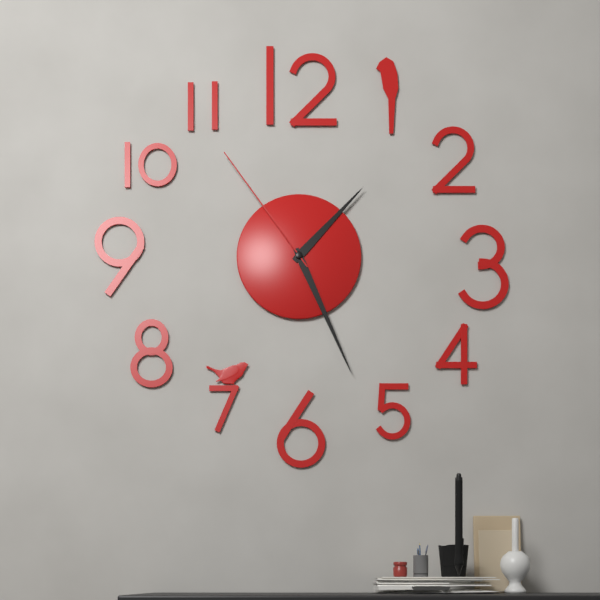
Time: {"hour": 1, "minute": 26, "second": 54}
